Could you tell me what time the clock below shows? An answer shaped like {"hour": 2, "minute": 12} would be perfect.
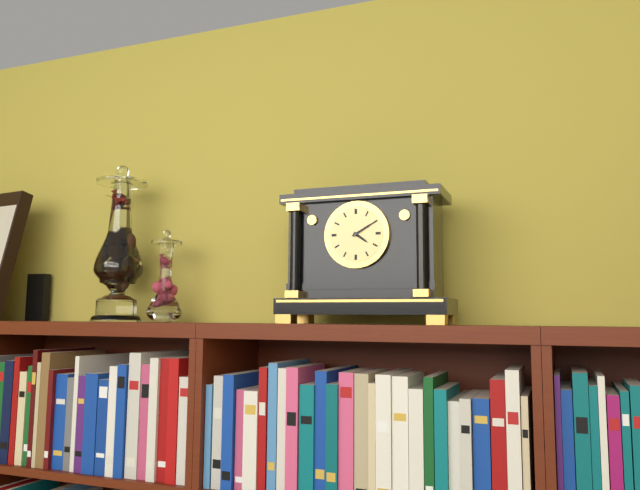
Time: {"hour": 4, "minute": 10}
